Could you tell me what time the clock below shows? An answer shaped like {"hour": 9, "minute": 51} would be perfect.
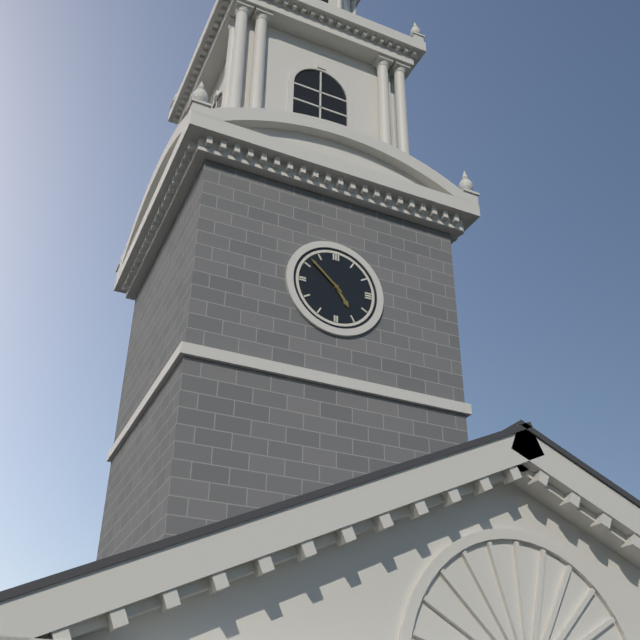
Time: {"hour": 4, "minute": 52}
